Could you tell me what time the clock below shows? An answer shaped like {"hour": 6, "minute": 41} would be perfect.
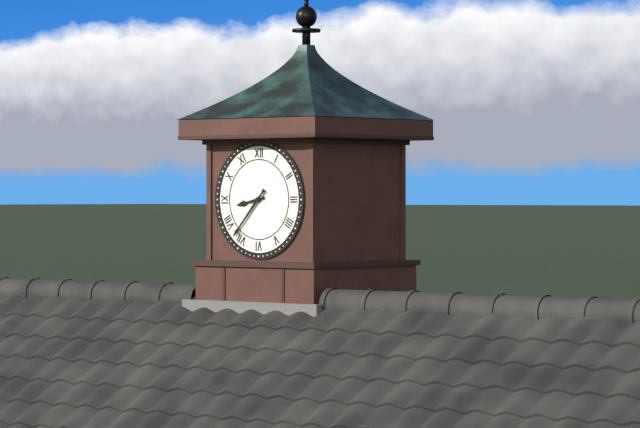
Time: {"hour": 8, "minute": 37}
